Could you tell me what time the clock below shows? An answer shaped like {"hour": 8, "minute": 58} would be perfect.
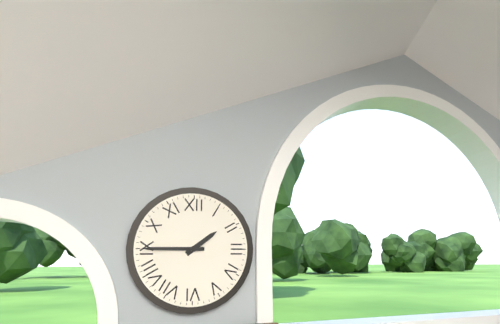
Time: {"hour": 1, "minute": 45}
